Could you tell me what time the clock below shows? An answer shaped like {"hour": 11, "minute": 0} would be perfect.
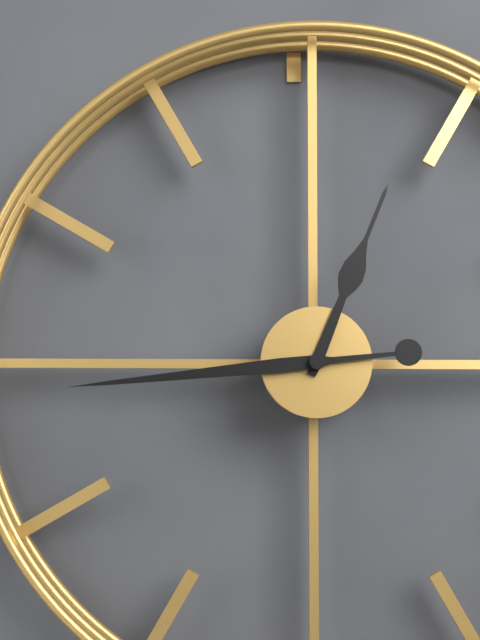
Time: {"hour": 12, "minute": 44}
